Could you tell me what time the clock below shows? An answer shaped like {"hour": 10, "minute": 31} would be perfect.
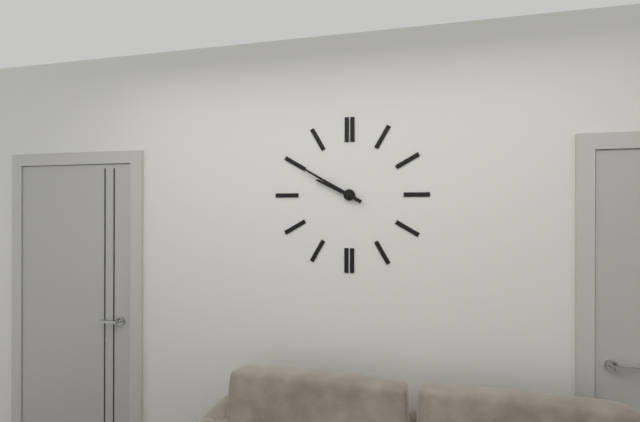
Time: {"hour": 9, "minute": 50}
